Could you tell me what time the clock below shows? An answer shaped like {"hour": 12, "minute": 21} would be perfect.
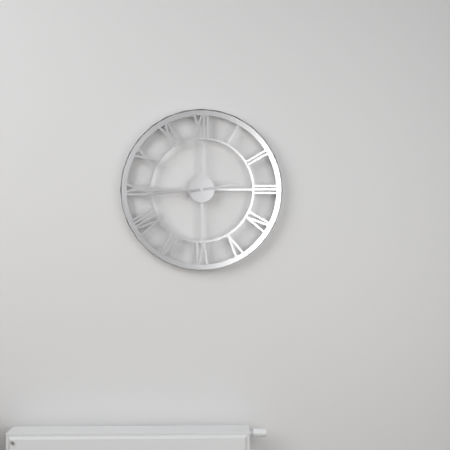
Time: {"hour": 2, "minute": 44}
